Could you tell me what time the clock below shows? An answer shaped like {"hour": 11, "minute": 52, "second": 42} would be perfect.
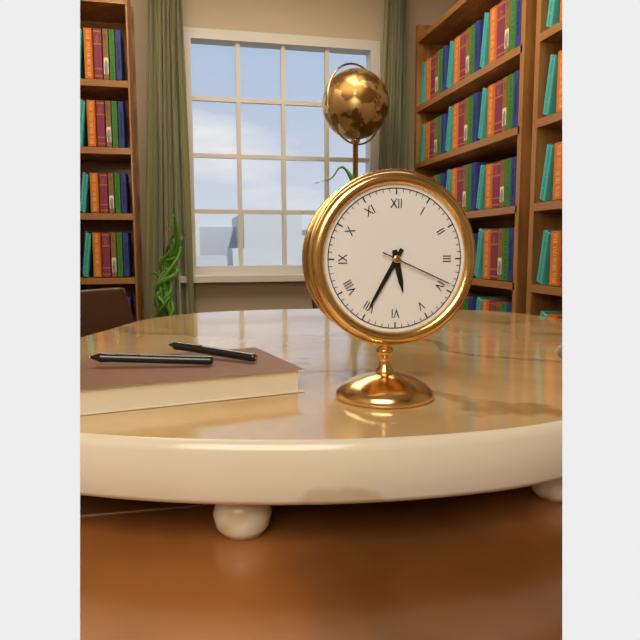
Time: {"hour": 5, "minute": 35, "second": 19}
